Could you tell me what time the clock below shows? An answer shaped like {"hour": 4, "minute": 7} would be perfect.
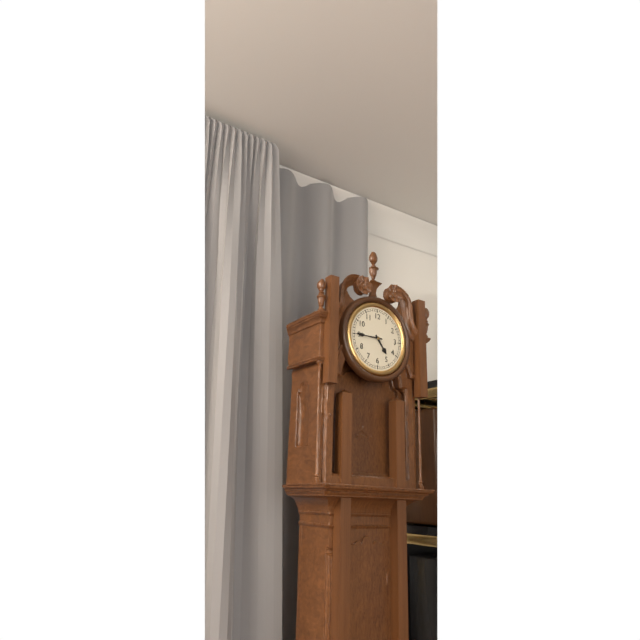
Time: {"hour": 4, "minute": 45}
